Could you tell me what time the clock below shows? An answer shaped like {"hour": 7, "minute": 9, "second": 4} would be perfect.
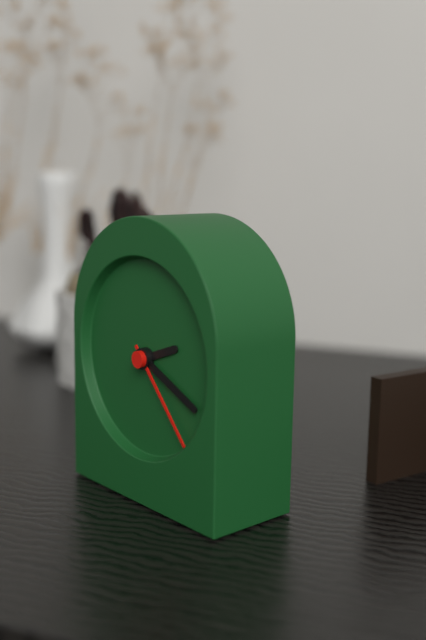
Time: {"hour": 2, "minute": 19, "second": 23}
